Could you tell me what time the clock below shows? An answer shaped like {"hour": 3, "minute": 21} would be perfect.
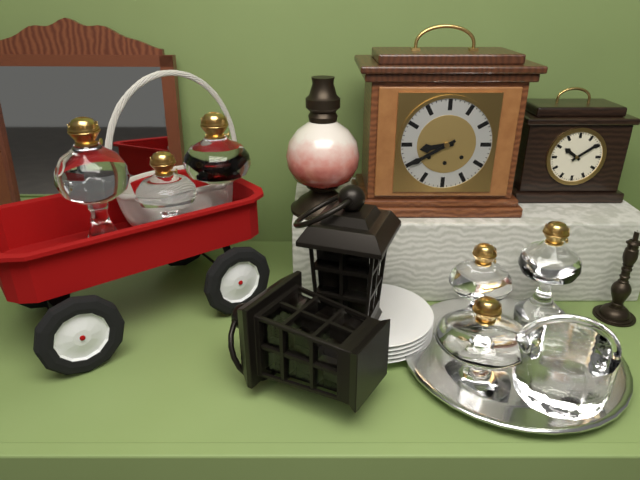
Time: {"hour": 8, "minute": 40}
